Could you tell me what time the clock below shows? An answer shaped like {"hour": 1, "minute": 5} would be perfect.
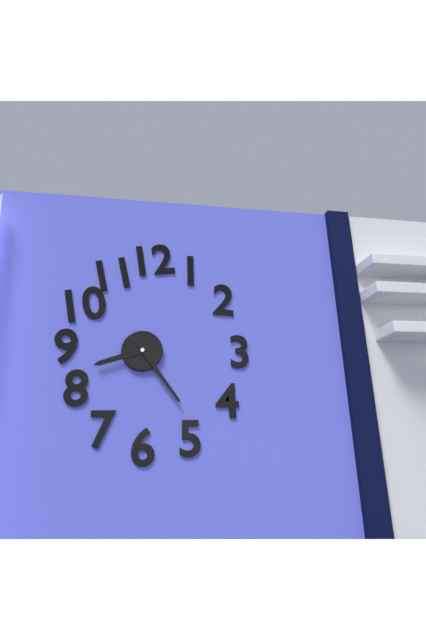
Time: {"hour": 8, "minute": 24}
